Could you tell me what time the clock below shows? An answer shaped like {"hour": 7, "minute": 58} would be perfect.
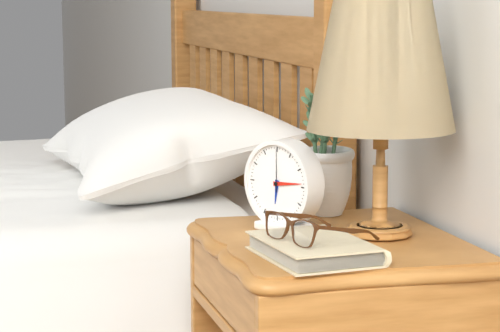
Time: {"hour": 6, "minute": 14}
